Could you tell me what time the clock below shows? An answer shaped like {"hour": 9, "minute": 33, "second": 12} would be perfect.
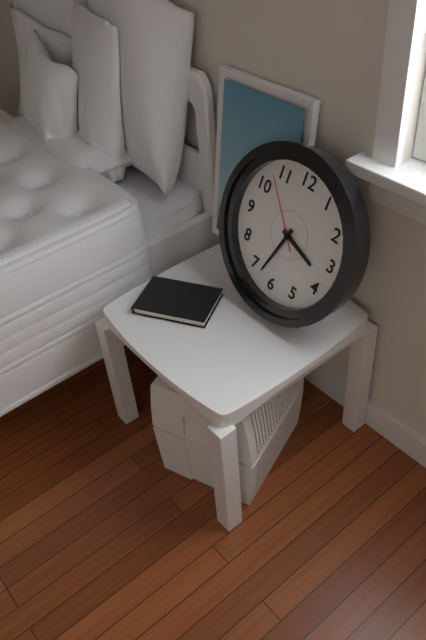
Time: {"hour": 3, "minute": 33, "second": 53}
